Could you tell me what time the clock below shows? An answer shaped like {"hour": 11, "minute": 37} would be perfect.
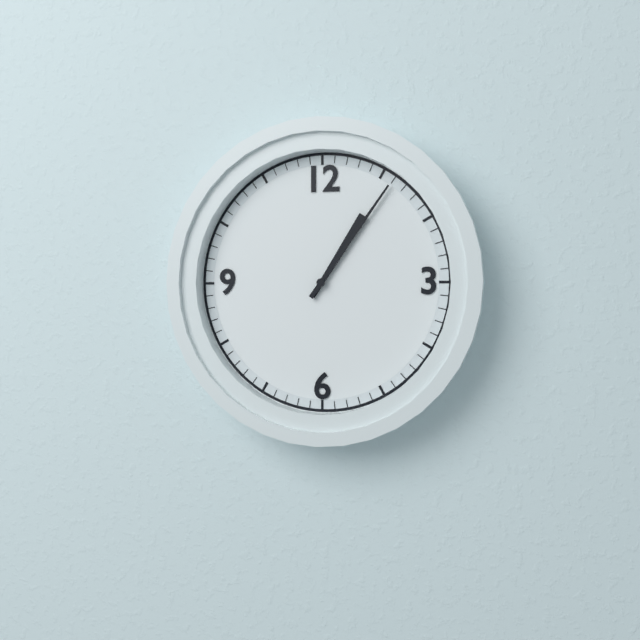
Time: {"hour": 1, "minute": 6}
